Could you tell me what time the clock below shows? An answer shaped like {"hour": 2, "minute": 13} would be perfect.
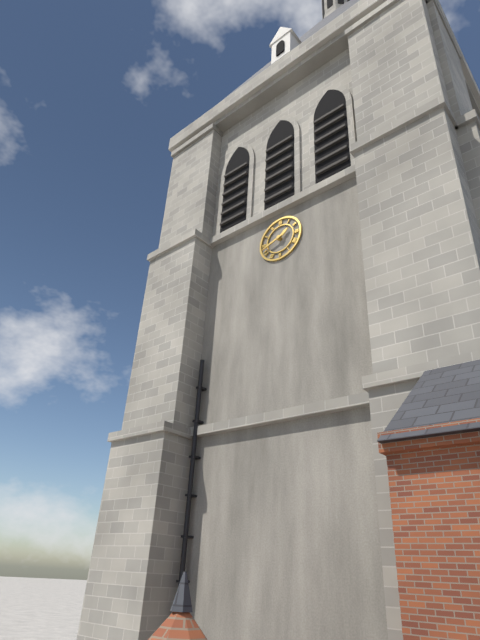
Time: {"hour": 1, "minute": 42}
